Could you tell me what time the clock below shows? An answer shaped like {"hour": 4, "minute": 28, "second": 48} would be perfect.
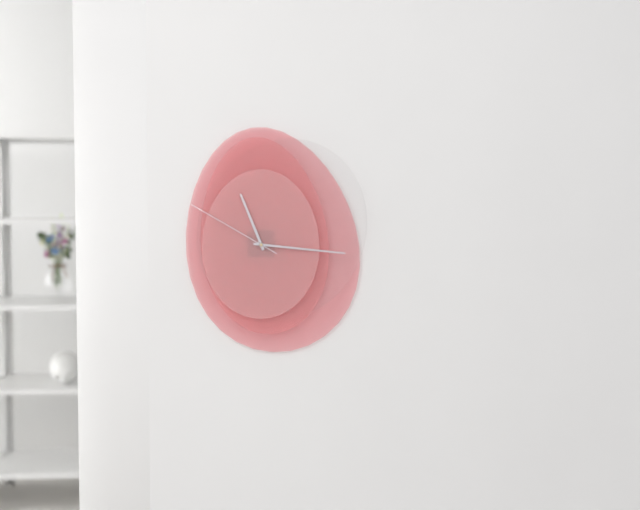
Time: {"hour": 11, "minute": 16, "second": 50}
